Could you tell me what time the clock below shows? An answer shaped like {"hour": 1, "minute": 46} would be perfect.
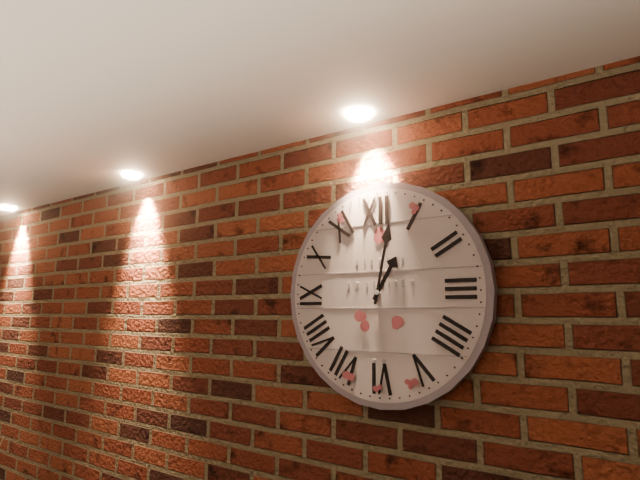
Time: {"hour": 1, "minute": 2}
